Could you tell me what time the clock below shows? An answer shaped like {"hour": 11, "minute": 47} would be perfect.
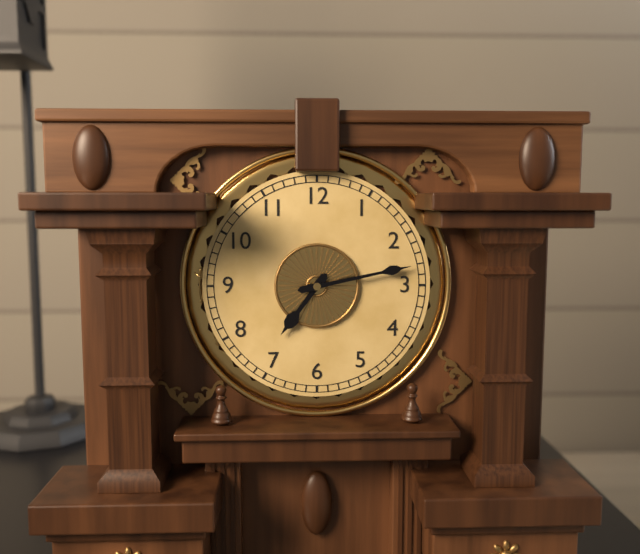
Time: {"hour": 7, "minute": 13}
